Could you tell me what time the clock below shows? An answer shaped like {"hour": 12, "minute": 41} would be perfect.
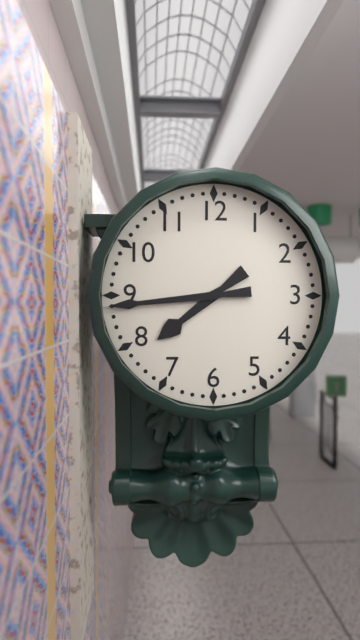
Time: {"hour": 7, "minute": 44}
